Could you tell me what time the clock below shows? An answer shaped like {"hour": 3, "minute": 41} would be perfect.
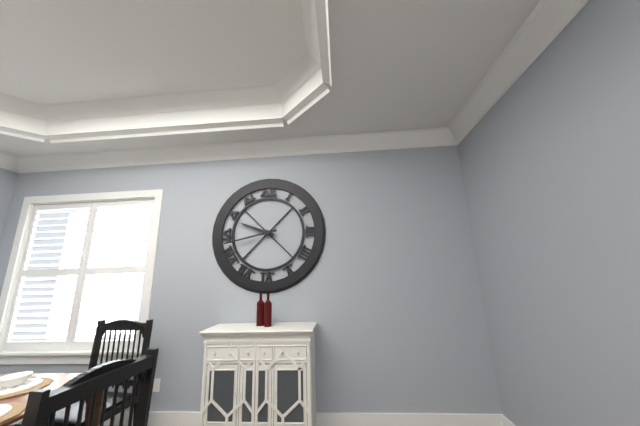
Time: {"hour": 9, "minute": 43}
